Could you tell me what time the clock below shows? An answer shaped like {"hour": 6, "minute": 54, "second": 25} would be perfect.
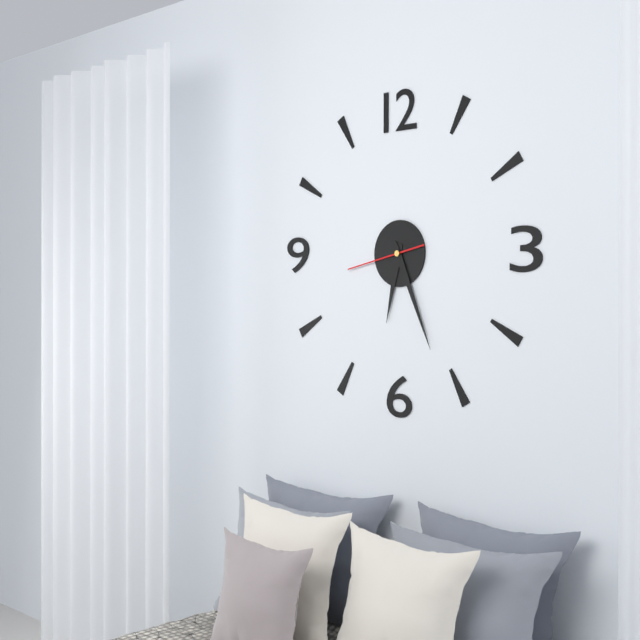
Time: {"hour": 6, "minute": 26, "second": 43}
